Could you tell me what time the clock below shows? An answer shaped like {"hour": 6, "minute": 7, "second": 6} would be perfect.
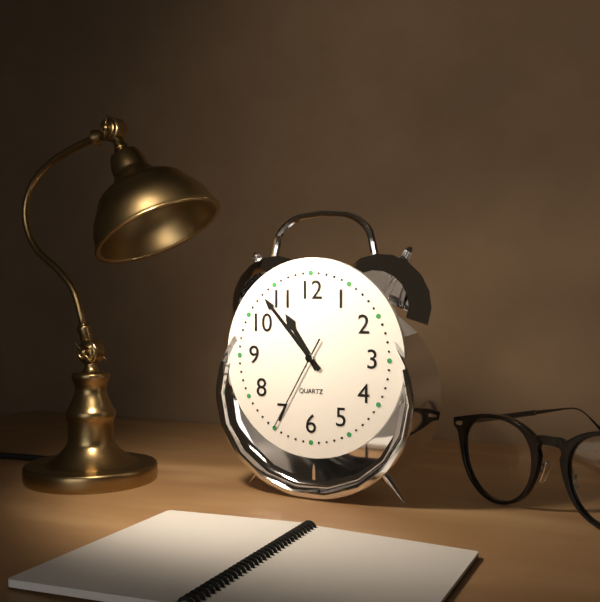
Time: {"hour": 10, "minute": 53, "second": 35}
